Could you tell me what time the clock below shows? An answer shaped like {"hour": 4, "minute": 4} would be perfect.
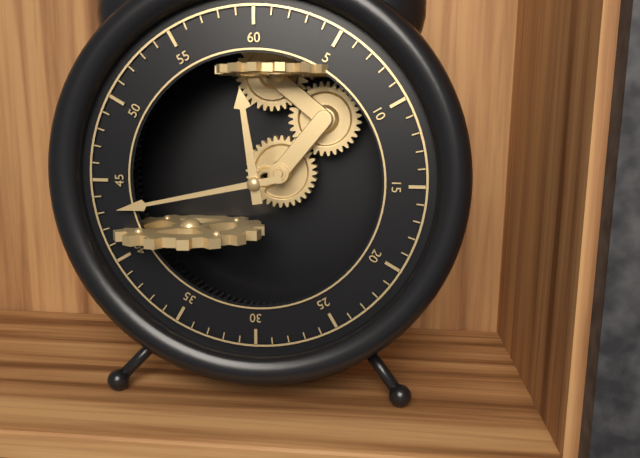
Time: {"hour": 11, "minute": 43}
